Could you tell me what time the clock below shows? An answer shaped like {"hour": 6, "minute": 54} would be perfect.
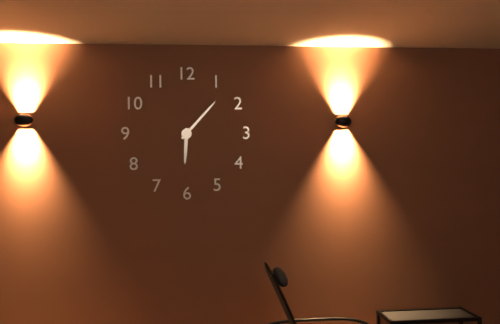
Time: {"hour": 6, "minute": 7}
